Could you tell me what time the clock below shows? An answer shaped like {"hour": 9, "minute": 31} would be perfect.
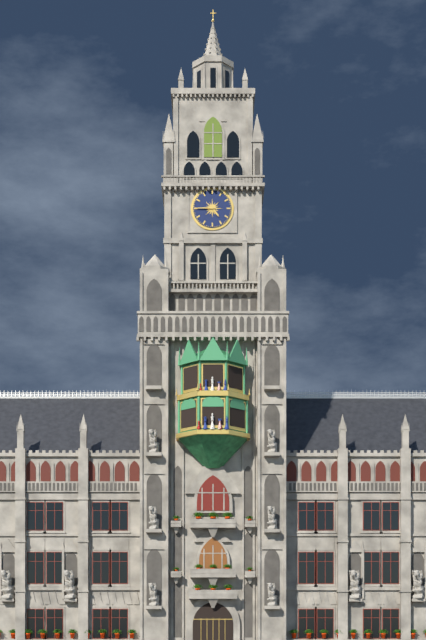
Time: {"hour": 4, "minute": 45}
